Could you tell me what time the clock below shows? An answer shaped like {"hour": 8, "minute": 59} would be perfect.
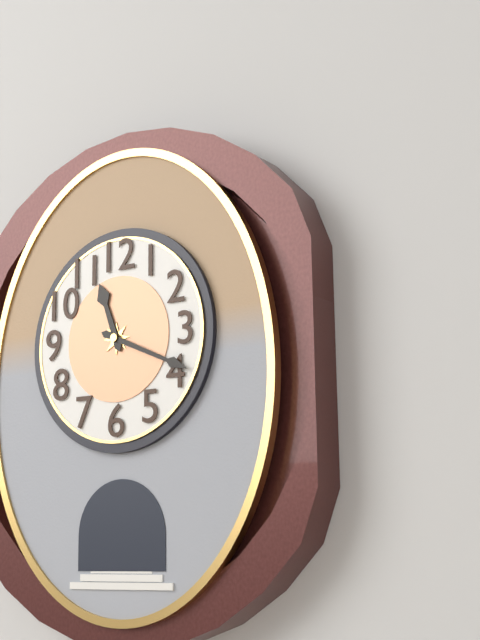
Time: {"hour": 11, "minute": 19}
